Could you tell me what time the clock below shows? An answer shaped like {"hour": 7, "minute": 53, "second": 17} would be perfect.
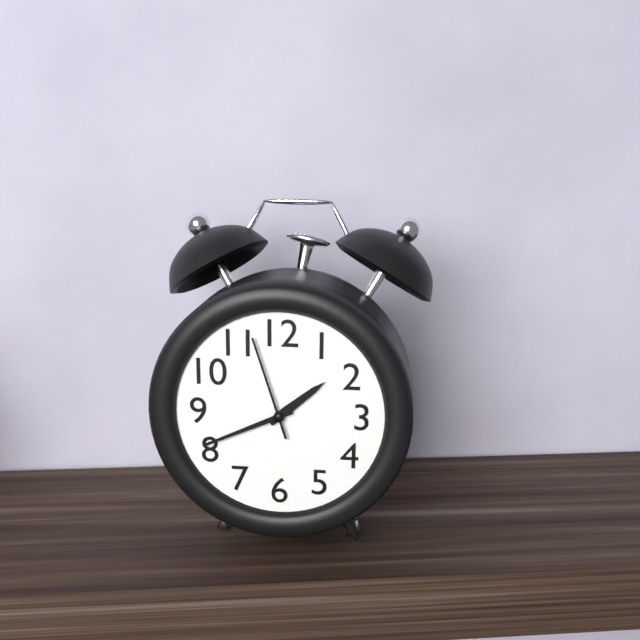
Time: {"hour": 1, "minute": 41, "second": 57}
